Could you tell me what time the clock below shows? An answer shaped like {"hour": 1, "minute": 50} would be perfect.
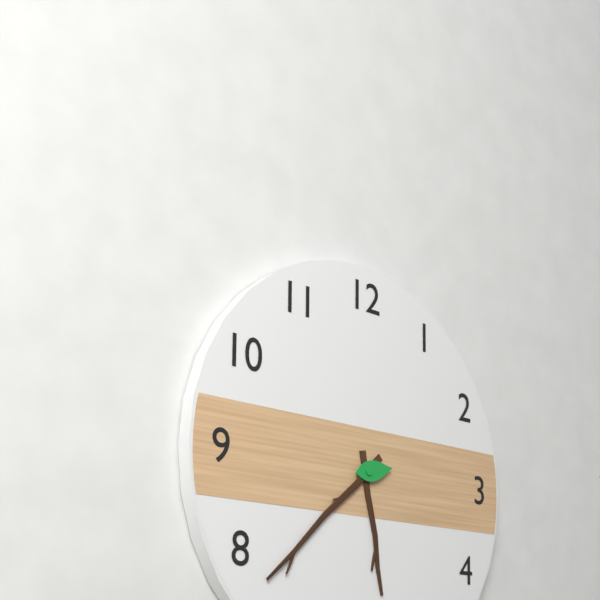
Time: {"hour": 5, "minute": 38}
